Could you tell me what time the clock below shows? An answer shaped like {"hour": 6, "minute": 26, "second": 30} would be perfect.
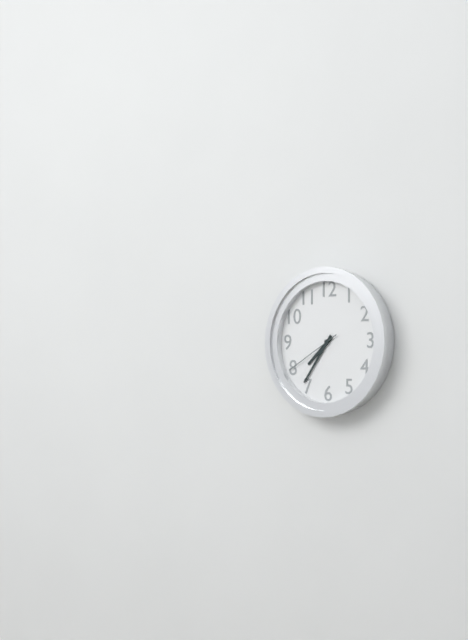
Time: {"hour": 7, "minute": 36, "second": 40}
